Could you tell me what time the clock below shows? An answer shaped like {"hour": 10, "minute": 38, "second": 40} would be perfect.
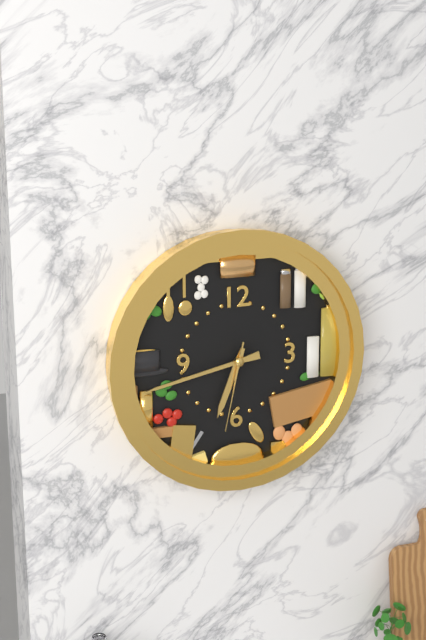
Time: {"hour": 6, "minute": 43, "second": 32}
